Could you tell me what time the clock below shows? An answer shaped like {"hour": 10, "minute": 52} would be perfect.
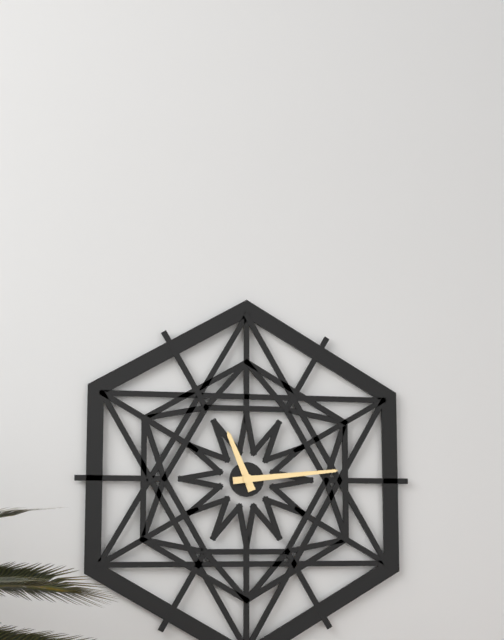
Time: {"hour": 11, "minute": 14}
